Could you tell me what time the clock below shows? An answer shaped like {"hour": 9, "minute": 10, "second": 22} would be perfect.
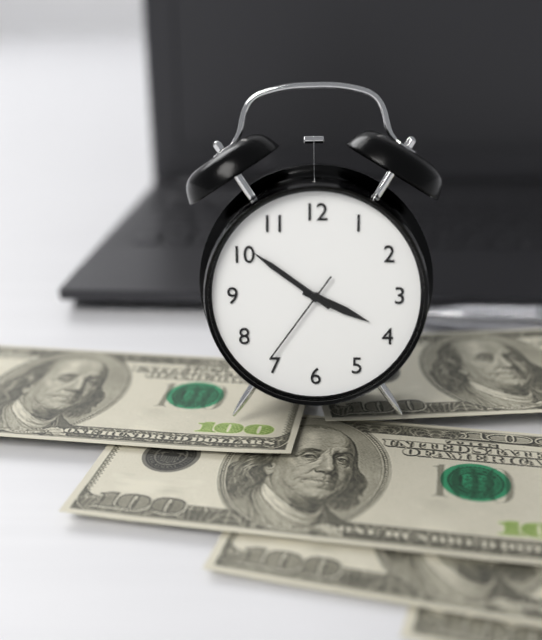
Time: {"hour": 3, "minute": 51, "second": 36}
